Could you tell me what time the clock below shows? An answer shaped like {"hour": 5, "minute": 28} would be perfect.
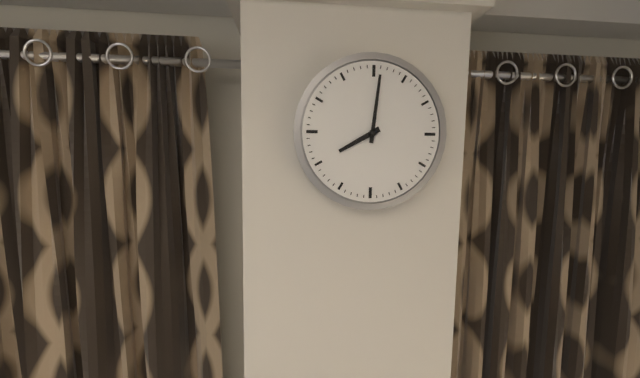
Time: {"hour": 8, "minute": 1}
